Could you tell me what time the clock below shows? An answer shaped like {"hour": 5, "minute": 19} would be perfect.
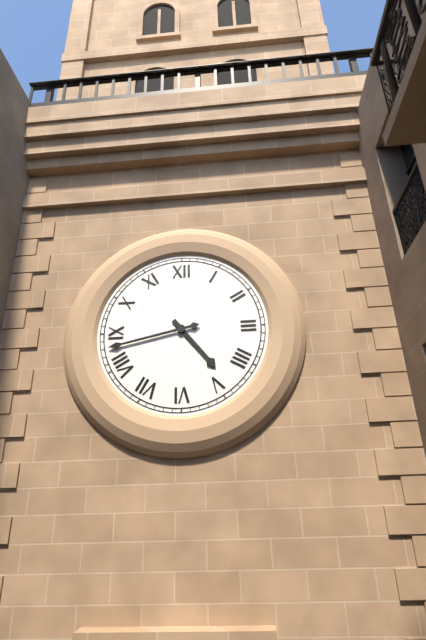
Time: {"hour": 4, "minute": 43}
